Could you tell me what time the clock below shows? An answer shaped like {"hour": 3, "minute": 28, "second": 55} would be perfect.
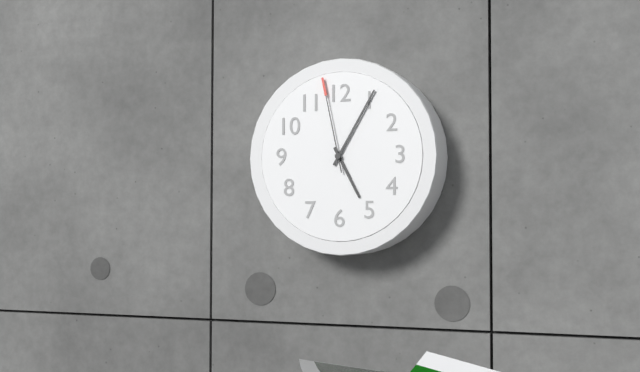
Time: {"hour": 5, "minute": 5, "second": 58}
